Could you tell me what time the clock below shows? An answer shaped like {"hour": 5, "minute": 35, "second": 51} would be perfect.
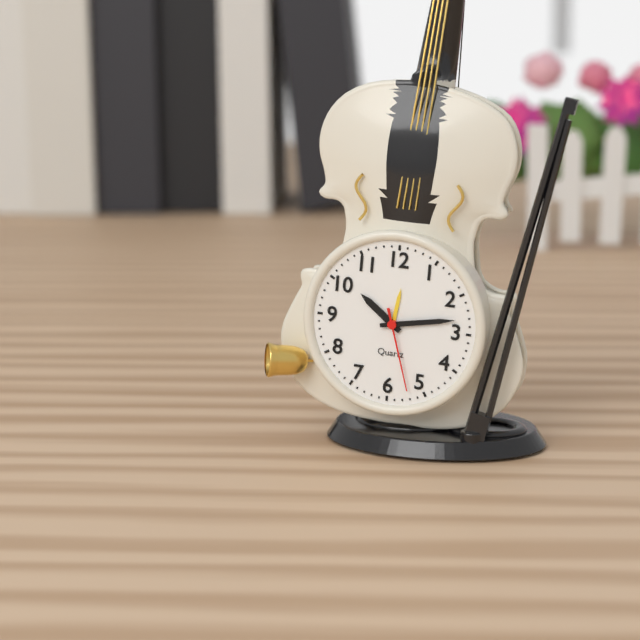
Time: {"hour": 10, "minute": 13, "second": 27}
